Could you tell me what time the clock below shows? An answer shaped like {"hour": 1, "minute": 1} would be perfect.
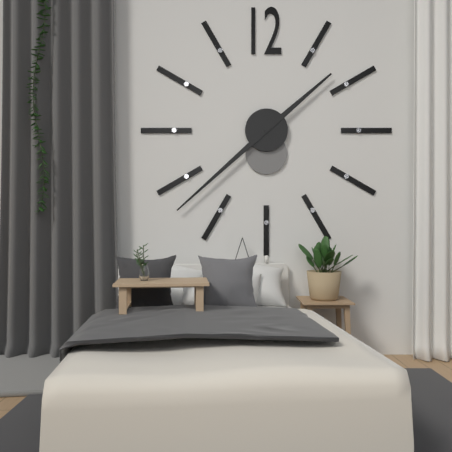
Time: {"hour": 1, "minute": 38}
